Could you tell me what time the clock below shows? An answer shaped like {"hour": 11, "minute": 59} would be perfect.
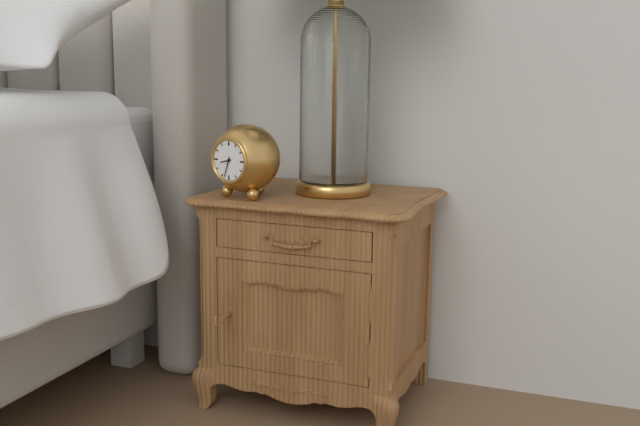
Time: {"hour": 8, "minute": 33}
